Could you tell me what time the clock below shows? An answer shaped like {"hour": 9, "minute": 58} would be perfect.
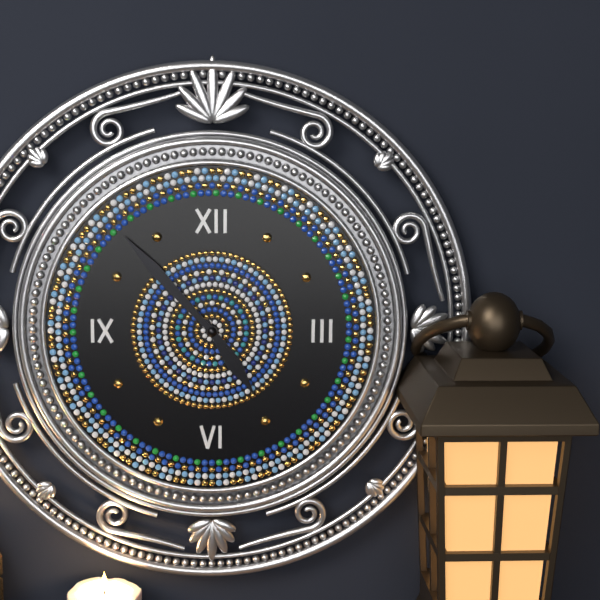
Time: {"hour": 4, "minute": 53}
